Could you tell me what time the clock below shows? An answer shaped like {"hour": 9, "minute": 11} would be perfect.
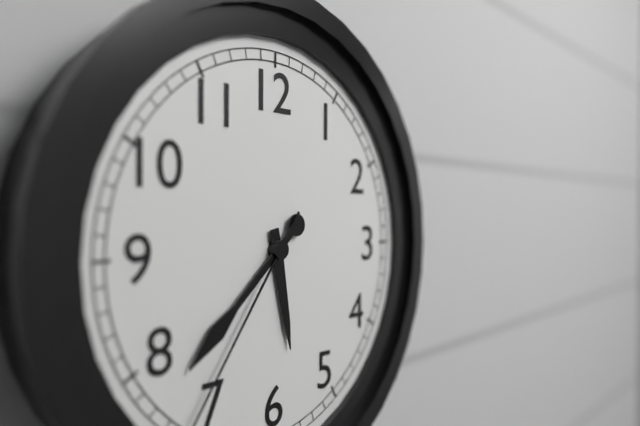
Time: {"hour": 5, "minute": 38}
